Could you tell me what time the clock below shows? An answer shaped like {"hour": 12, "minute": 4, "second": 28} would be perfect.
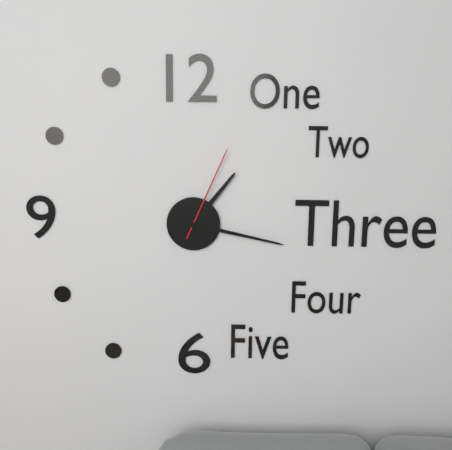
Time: {"hour": 1, "minute": 17, "second": 4}
